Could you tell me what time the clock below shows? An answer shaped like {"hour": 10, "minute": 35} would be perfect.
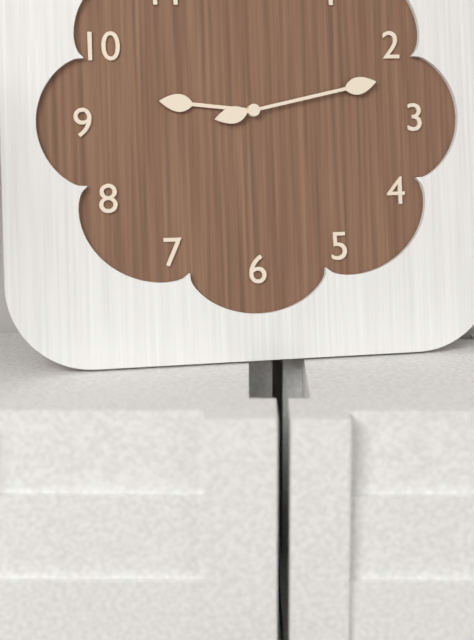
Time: {"hour": 9, "minute": 13}
